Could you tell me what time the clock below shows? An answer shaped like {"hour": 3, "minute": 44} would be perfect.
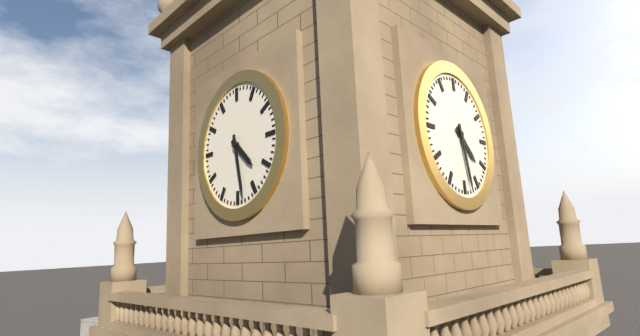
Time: {"hour": 4, "minute": 28}
